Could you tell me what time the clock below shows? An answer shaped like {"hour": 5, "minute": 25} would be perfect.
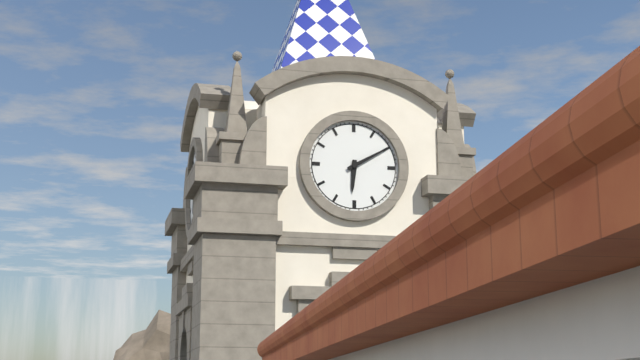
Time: {"hour": 6, "minute": 10}
